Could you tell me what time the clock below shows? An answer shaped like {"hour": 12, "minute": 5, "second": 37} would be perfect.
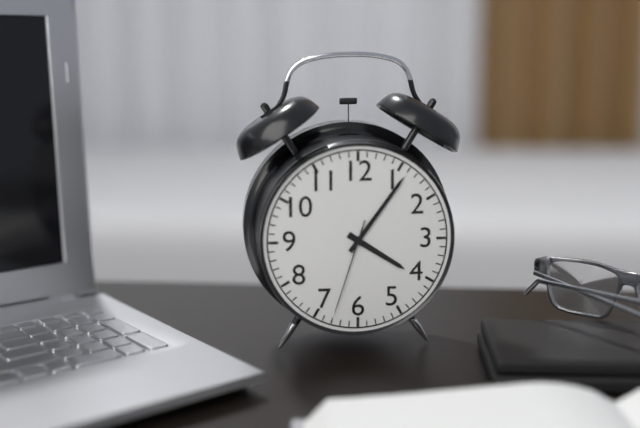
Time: {"hour": 4, "minute": 6, "second": 33}
